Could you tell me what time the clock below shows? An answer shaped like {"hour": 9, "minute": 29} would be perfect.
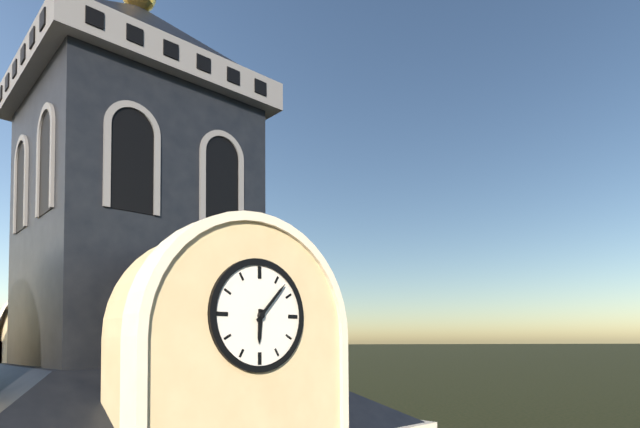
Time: {"hour": 6, "minute": 7}
